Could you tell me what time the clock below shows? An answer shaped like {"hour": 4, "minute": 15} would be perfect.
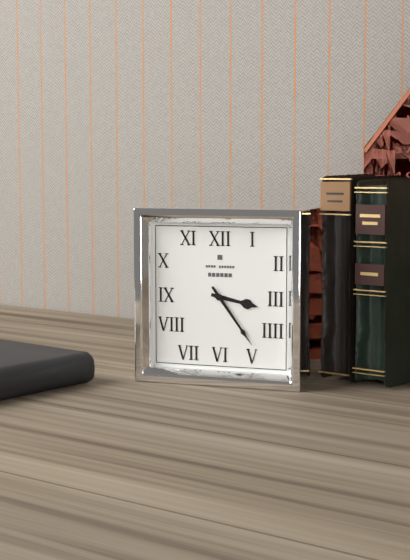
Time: {"hour": 3, "minute": 24}
